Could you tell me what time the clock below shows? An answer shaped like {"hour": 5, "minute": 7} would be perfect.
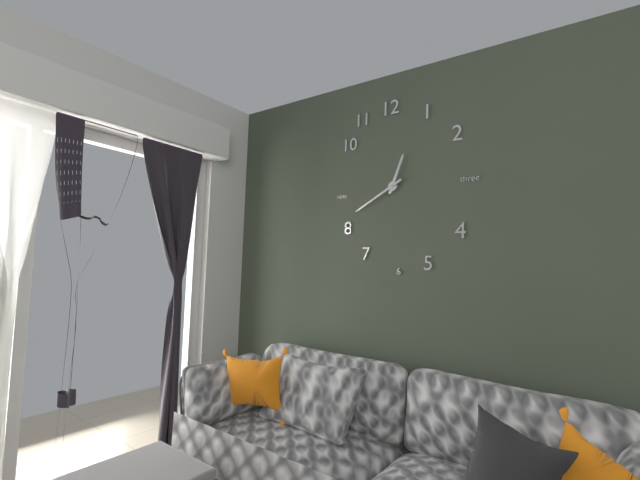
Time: {"hour": 12, "minute": 40}
